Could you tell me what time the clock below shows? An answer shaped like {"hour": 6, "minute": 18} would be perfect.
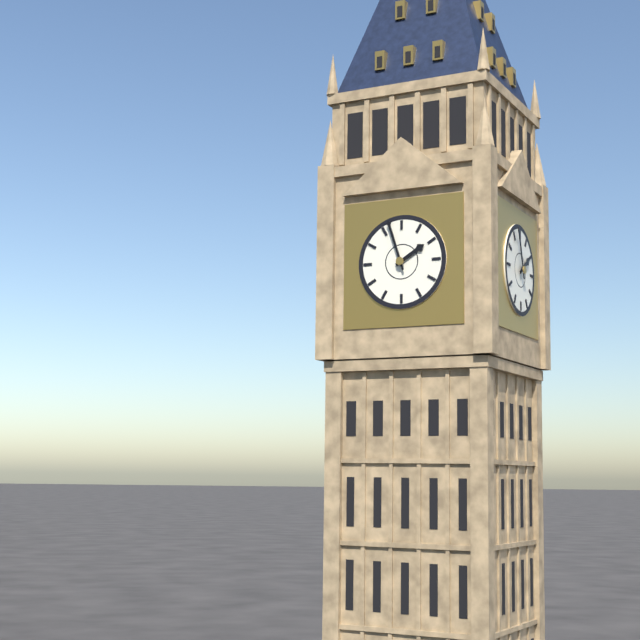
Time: {"hour": 1, "minute": 57}
